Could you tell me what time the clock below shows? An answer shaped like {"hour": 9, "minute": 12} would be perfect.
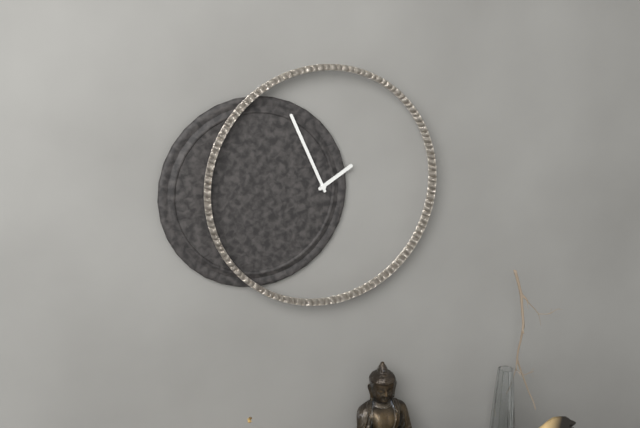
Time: {"hour": 1, "minute": 56}
